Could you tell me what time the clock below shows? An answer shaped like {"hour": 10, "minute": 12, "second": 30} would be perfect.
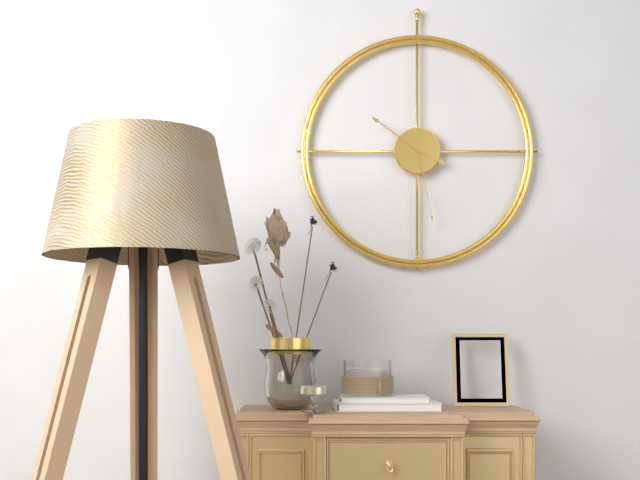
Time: {"hour": 3, "minute": 51, "second": 28}
